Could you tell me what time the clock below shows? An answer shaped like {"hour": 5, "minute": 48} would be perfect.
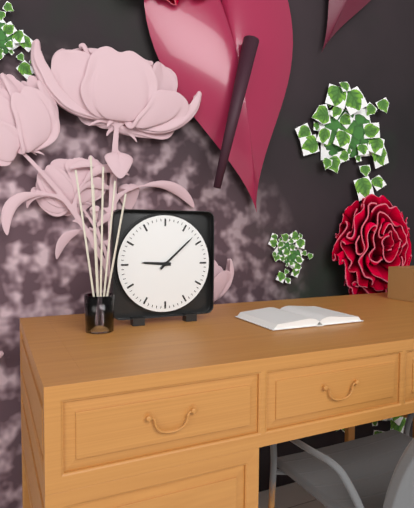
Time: {"hour": 9, "minute": 8}
